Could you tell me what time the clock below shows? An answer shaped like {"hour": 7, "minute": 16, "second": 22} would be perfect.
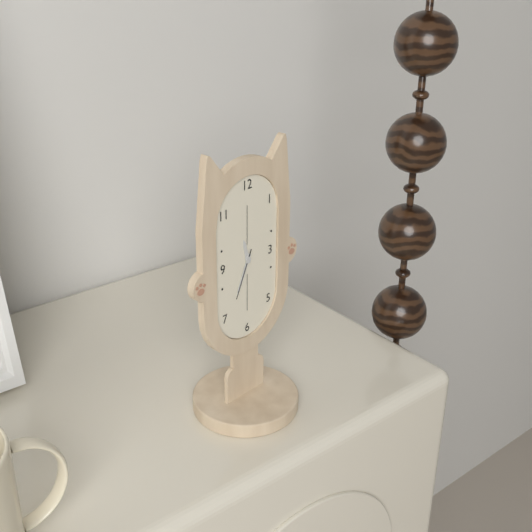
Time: {"hour": 11, "minute": 34, "second": 34}
